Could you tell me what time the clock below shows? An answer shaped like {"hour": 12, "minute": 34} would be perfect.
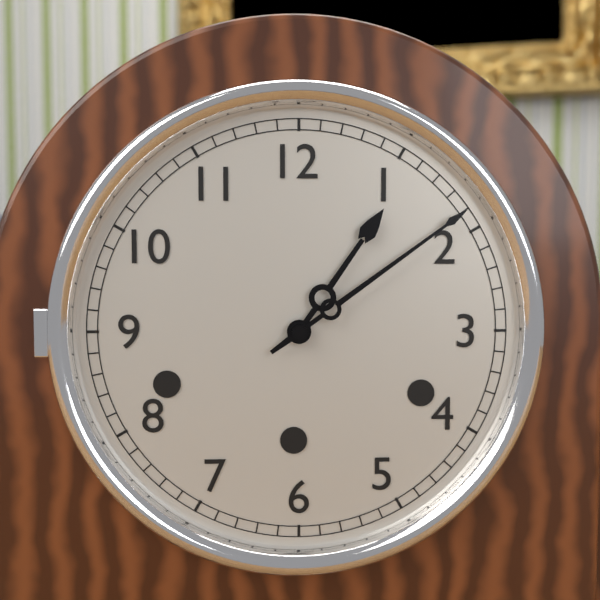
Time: {"hour": 1, "minute": 9}
